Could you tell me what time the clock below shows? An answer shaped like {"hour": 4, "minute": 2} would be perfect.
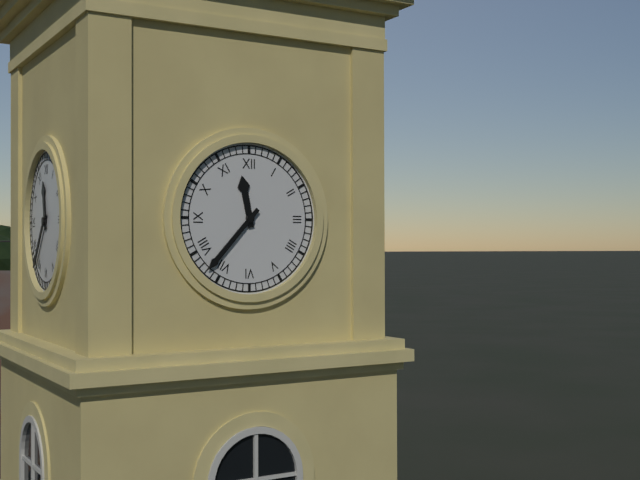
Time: {"hour": 11, "minute": 37}
